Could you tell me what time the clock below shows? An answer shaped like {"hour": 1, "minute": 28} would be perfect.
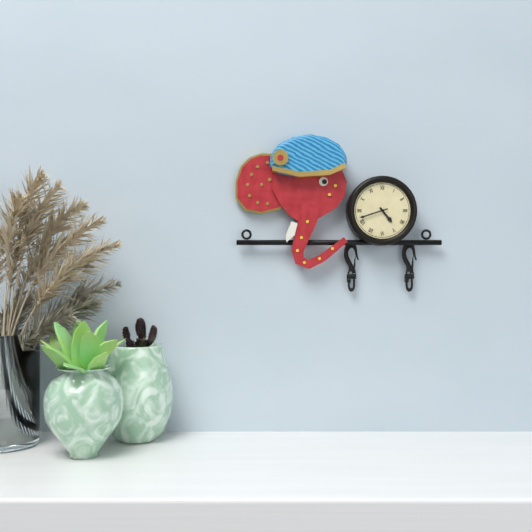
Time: {"hour": 4, "minute": 42}
